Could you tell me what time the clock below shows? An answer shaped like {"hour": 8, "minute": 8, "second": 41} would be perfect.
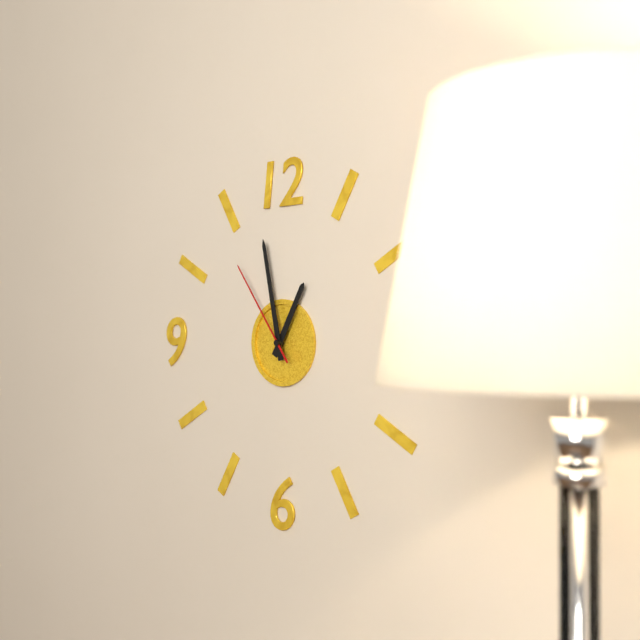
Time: {"hour": 12, "minute": 58, "second": 54}
